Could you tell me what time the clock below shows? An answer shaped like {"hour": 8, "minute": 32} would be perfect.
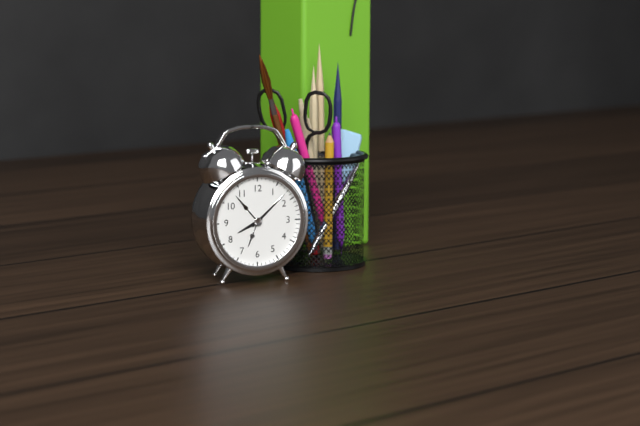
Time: {"hour": 8, "minute": 8}
